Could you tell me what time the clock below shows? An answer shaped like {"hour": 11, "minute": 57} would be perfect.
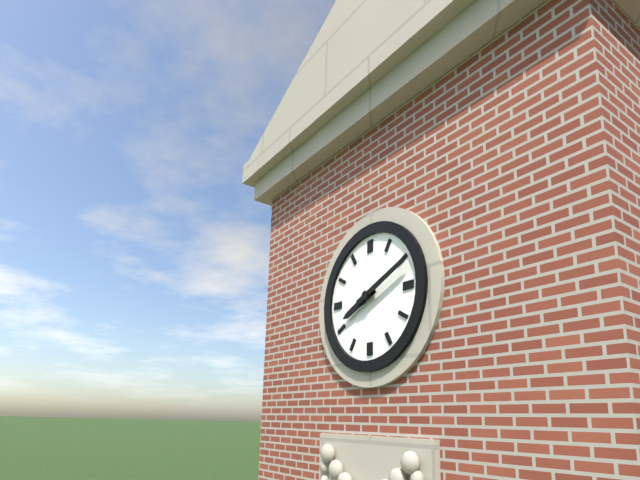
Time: {"hour": 8, "minute": 11}
